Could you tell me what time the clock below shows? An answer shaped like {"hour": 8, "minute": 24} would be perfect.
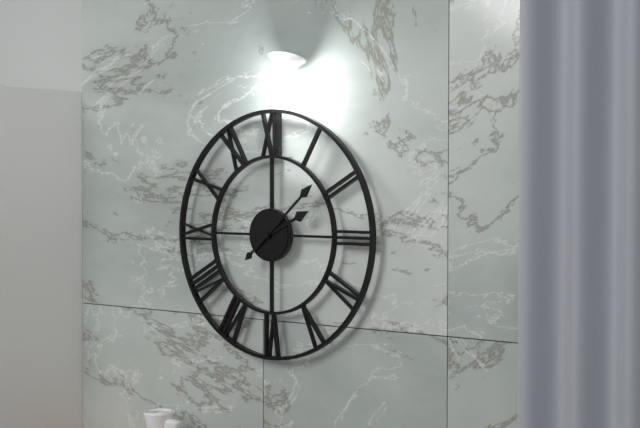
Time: {"hour": 2, "minute": 8}
